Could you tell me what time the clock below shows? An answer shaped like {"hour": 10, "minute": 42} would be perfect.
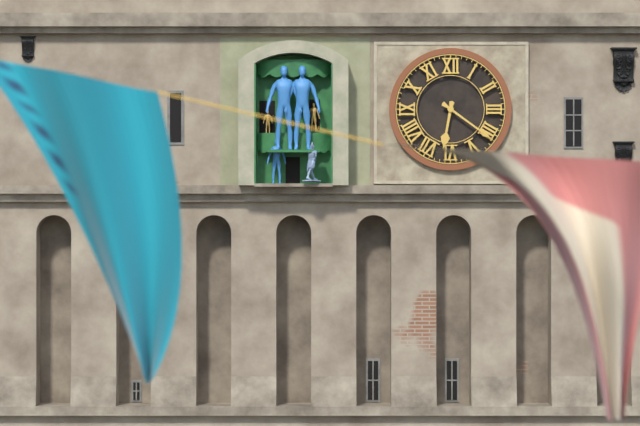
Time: {"hour": 6, "minute": 21}
